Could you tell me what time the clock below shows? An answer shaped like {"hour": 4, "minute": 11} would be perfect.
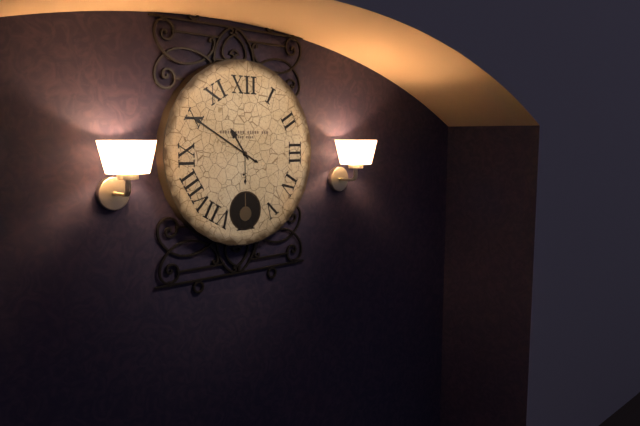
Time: {"hour": 10, "minute": 50}
